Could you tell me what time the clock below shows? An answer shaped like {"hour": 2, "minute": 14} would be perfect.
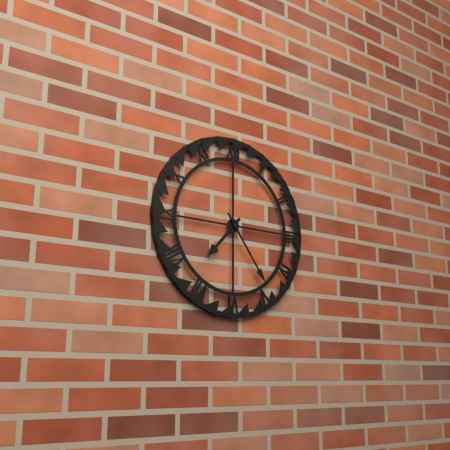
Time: {"hour": 7, "minute": 24}
